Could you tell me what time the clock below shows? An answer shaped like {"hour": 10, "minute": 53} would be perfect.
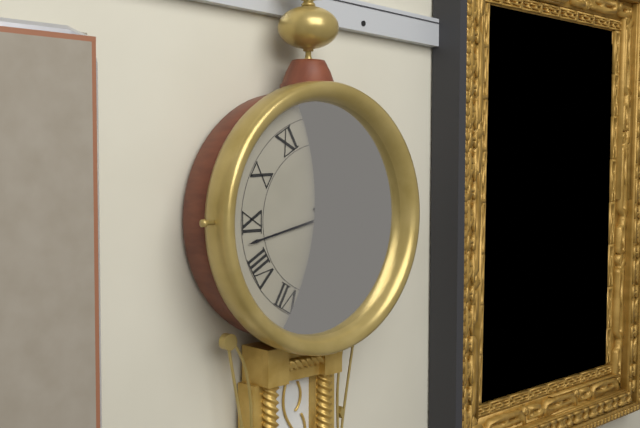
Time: {"hour": 4, "minute": 43}
